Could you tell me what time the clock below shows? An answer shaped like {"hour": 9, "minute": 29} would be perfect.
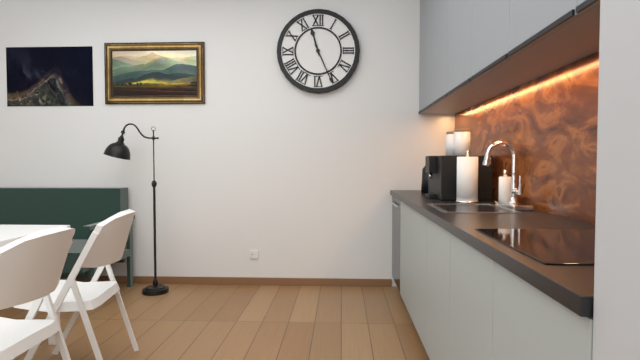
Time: {"hour": 11, "minute": 26}
